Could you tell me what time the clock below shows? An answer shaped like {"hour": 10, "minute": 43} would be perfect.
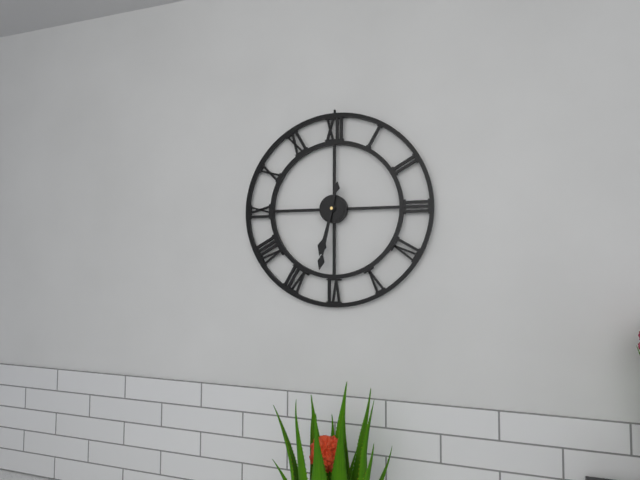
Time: {"hour": 6, "minute": 32}
